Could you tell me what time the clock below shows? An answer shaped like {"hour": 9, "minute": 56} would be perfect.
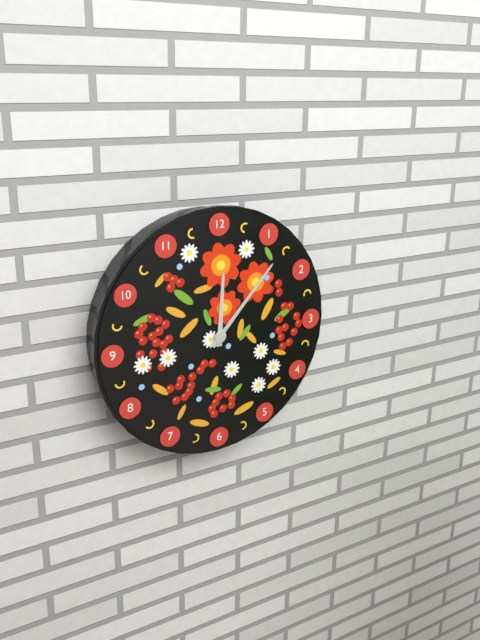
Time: {"hour": 12, "minute": 7}
